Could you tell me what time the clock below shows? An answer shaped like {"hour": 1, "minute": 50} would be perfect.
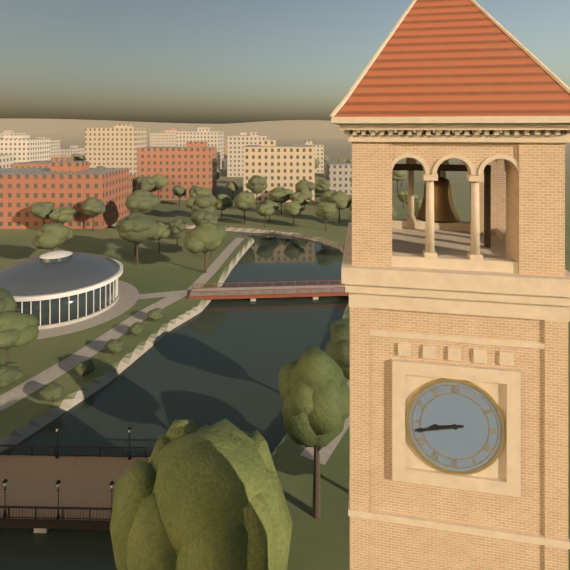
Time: {"hour": 8, "minute": 43}
